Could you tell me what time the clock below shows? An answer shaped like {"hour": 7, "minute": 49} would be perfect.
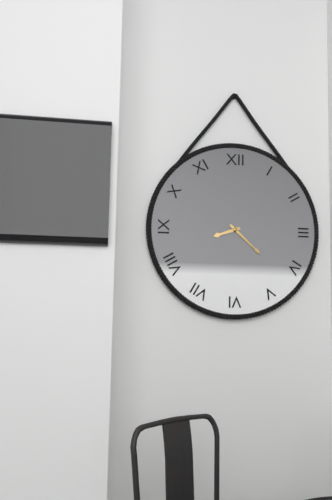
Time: {"hour": 8, "minute": 22}
